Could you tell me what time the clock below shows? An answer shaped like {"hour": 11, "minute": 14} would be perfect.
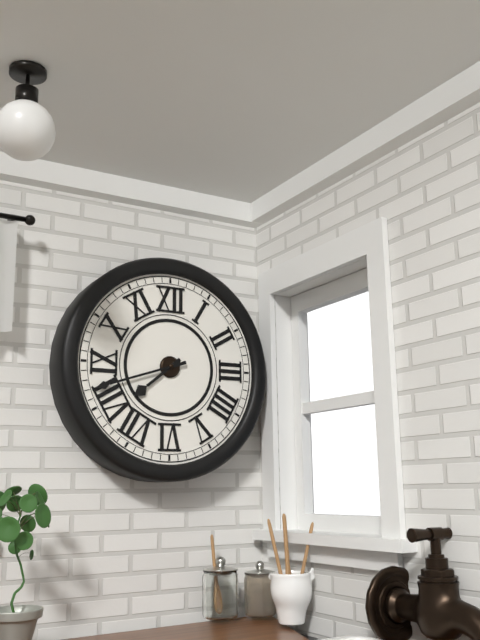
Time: {"hour": 7, "minute": 42}
